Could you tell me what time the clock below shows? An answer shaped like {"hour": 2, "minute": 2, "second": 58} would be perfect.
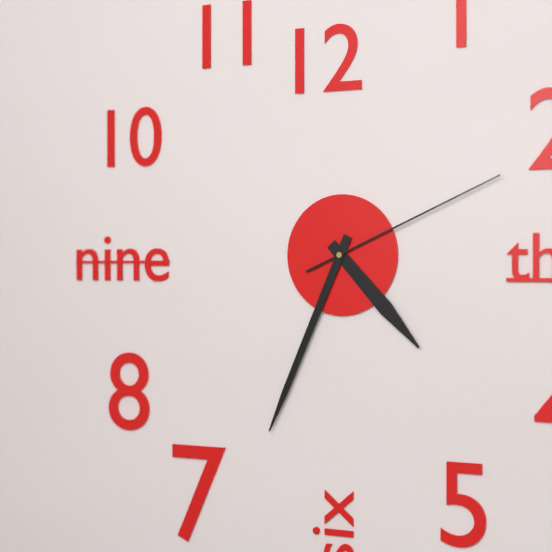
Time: {"hour": 4, "minute": 34, "second": 11}
